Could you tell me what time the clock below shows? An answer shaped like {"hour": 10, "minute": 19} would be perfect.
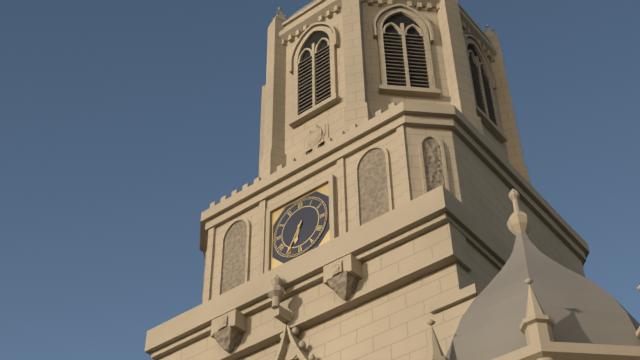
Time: {"hour": 6, "minute": 35}
